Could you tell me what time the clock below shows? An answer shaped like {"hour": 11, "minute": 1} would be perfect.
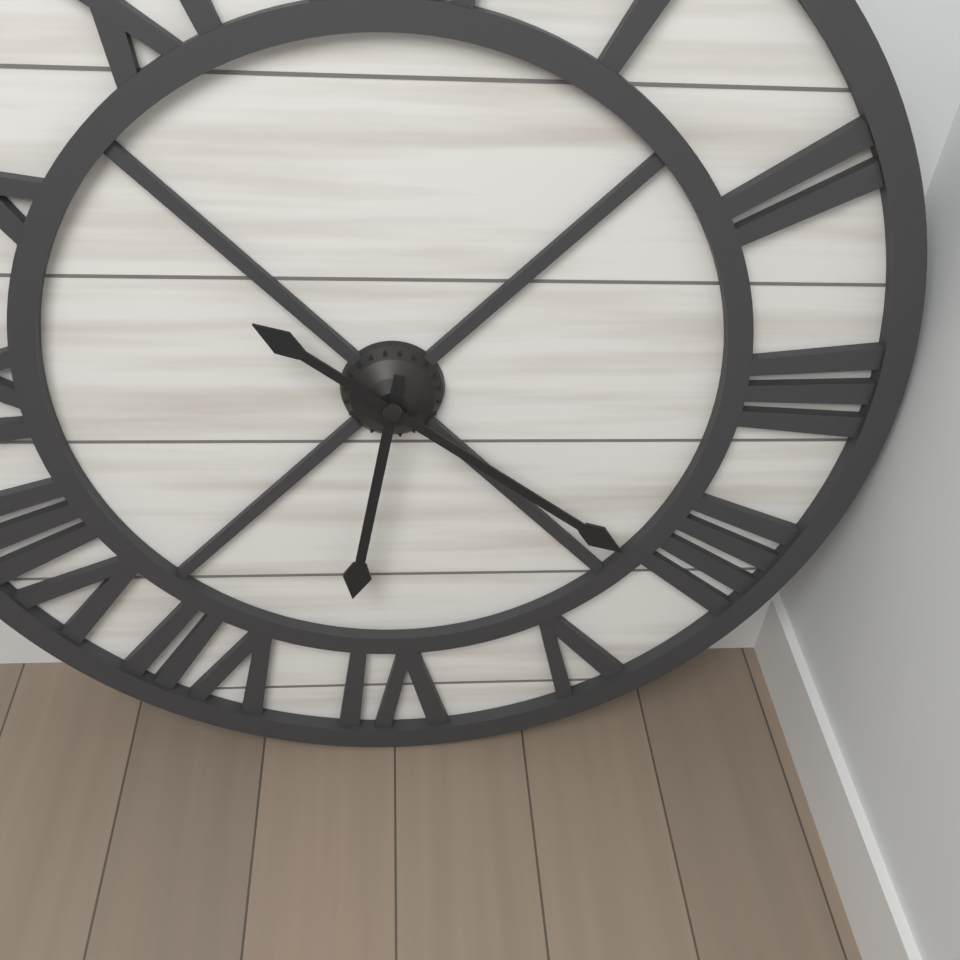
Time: {"hour": 6, "minute": 21}
